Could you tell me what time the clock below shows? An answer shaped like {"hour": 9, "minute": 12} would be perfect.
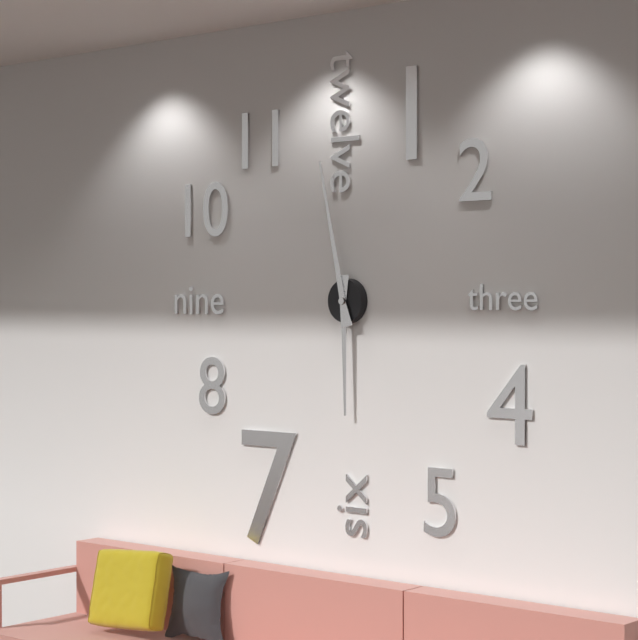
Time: {"hour": 5, "minute": 58}
